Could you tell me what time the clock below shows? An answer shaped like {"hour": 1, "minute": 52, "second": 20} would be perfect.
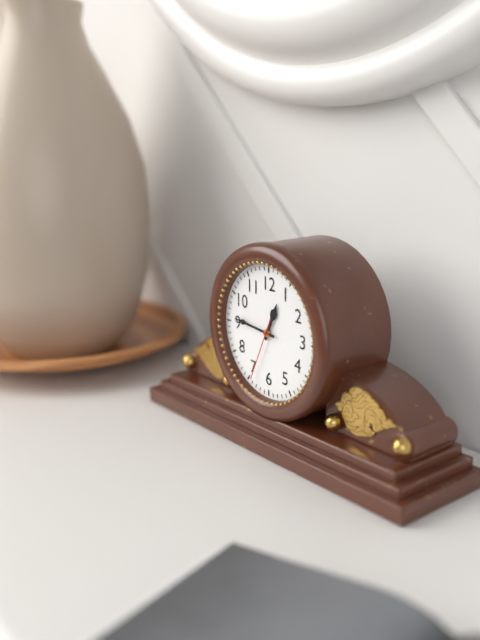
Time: {"hour": 12, "minute": 46, "second": 34}
